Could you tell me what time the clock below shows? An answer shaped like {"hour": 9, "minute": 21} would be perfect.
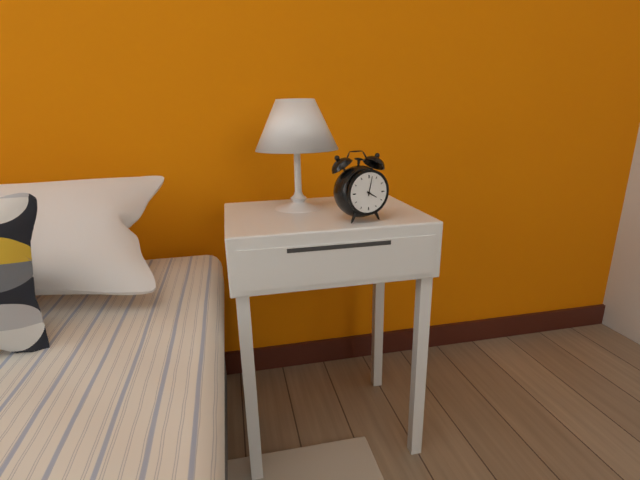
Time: {"hour": 4, "minute": 2}
